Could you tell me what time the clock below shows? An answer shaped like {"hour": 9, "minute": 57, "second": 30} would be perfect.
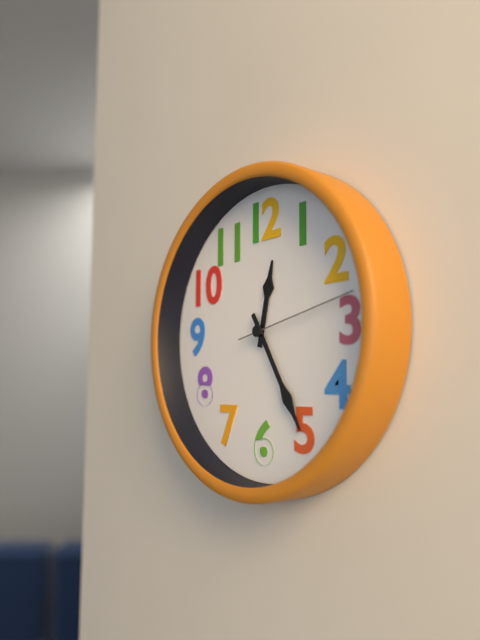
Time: {"hour": 12, "minute": 25, "second": 13}
